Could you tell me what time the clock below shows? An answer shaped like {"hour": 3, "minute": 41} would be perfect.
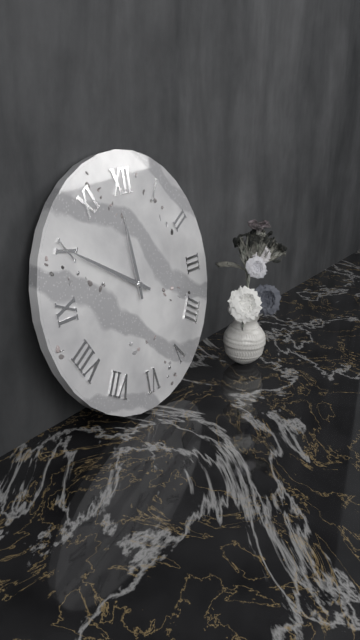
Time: {"hour": 11, "minute": 50}
